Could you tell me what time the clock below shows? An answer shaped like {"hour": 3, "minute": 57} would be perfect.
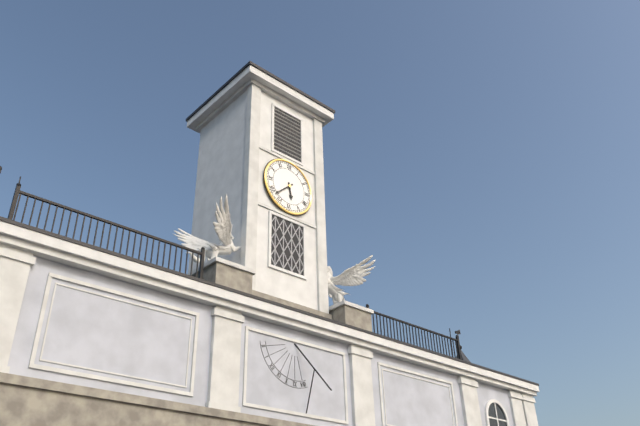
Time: {"hour": 5, "minute": 38}
